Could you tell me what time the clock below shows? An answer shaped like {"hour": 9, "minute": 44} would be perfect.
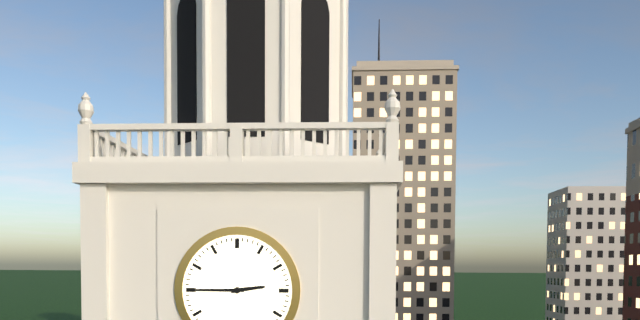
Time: {"hour": 2, "minute": 45}
